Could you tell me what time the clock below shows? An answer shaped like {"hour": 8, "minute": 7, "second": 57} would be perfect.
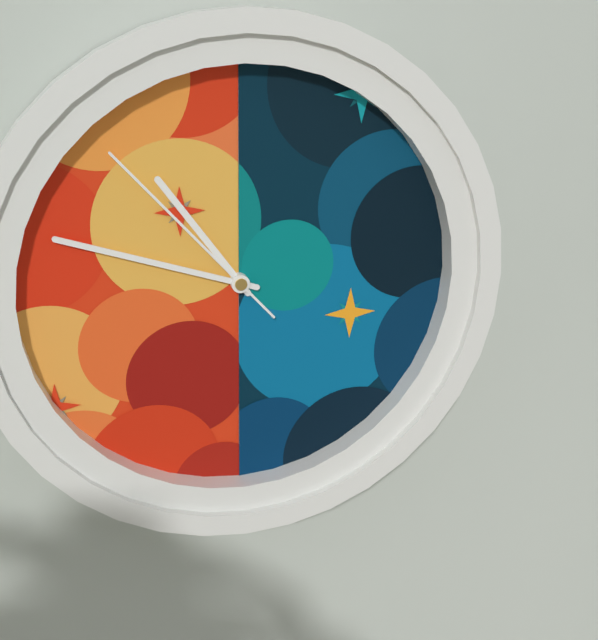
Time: {"hour": 10, "minute": 48, "second": 53}
